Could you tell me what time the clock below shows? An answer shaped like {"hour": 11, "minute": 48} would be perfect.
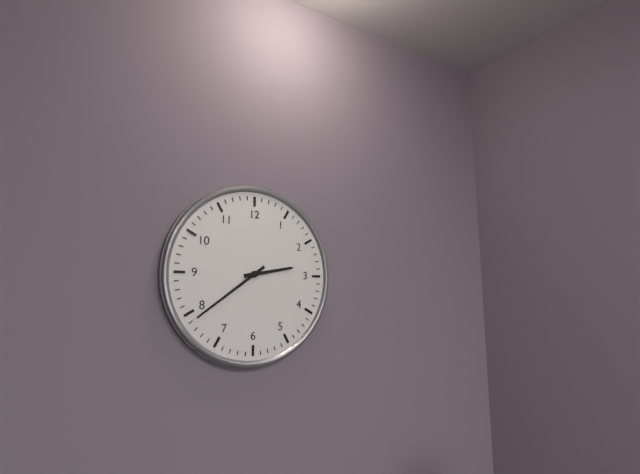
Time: {"hour": 2, "minute": 39}
